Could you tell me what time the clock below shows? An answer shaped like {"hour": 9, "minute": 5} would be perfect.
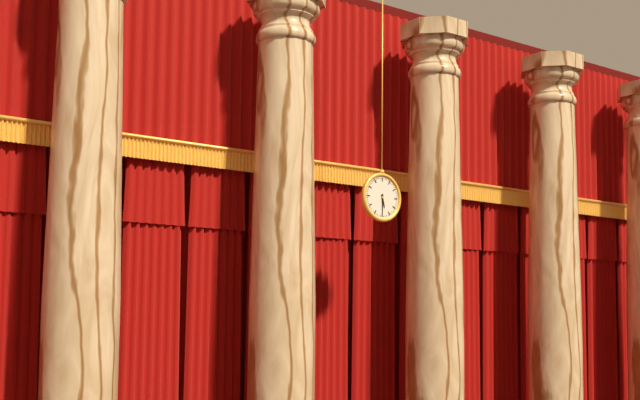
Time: {"hour": 5, "minute": 30}
